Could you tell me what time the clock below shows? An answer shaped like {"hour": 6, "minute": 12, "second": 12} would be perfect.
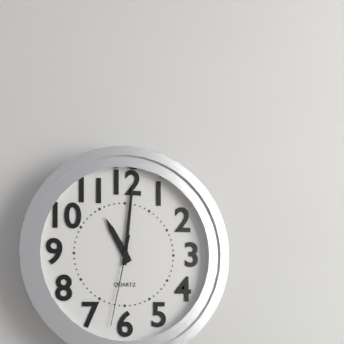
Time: {"hour": 11, "minute": 1, "second": 32}
